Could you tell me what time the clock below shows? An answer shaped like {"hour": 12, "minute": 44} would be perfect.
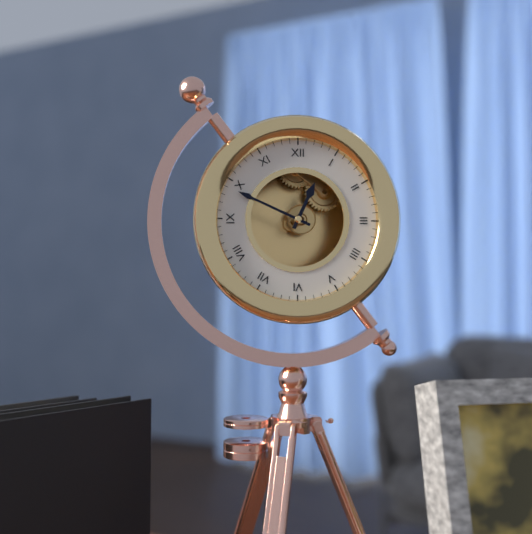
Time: {"hour": 12, "minute": 49}
